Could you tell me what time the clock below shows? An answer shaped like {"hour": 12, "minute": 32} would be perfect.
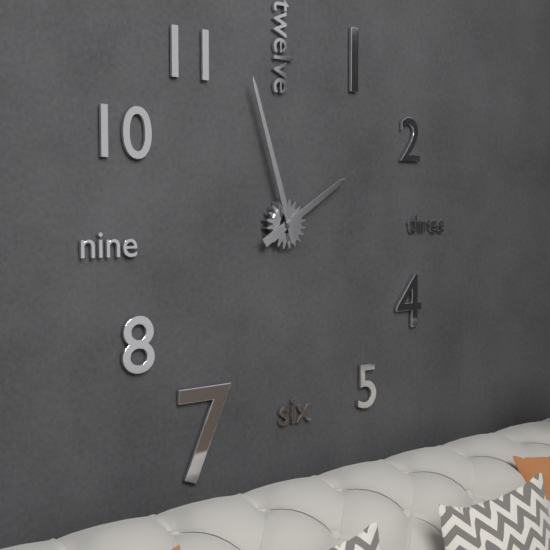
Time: {"hour": 1, "minute": 57}
